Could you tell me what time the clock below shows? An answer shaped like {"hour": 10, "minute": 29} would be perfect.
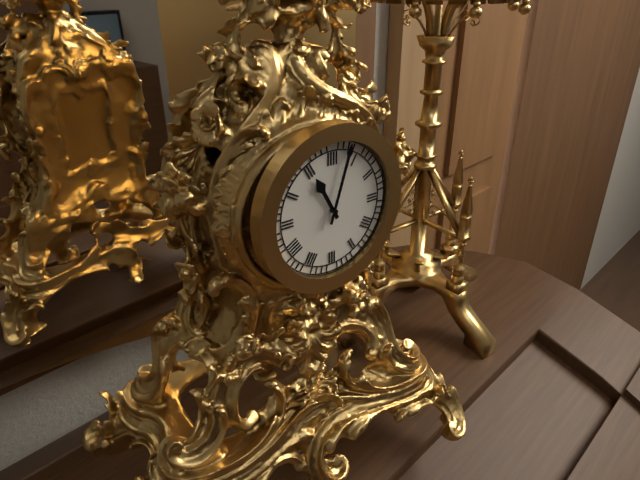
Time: {"hour": 11, "minute": 3}
